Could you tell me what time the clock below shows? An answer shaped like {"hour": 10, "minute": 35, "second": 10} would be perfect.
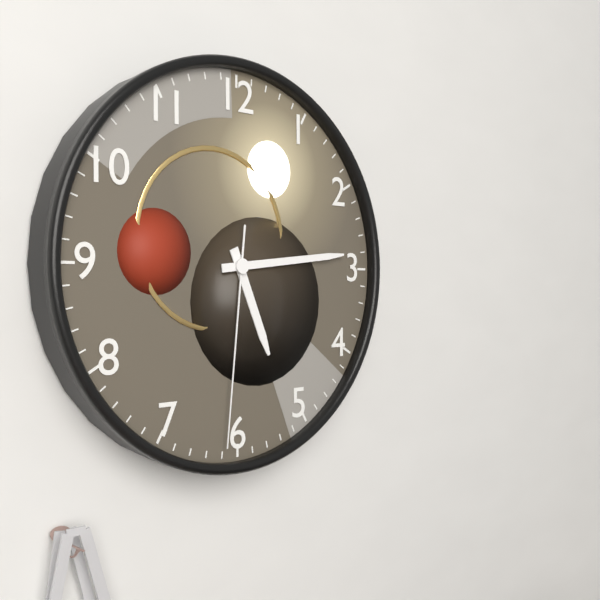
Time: {"hour": 5, "minute": 14, "second": 31}
